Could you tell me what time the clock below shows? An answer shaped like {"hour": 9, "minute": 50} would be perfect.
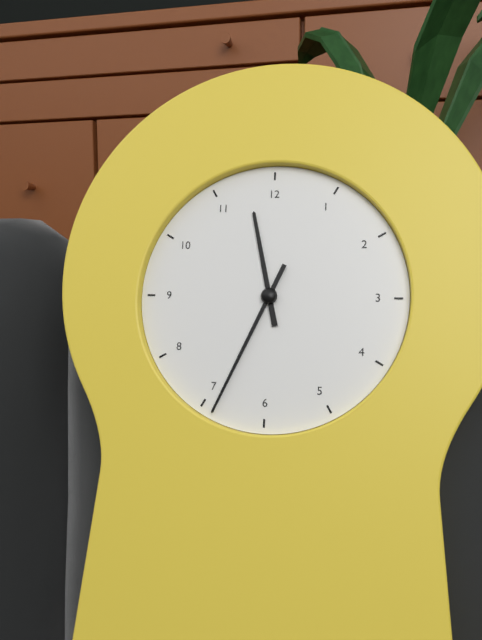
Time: {"hour": 11, "minute": 34}
